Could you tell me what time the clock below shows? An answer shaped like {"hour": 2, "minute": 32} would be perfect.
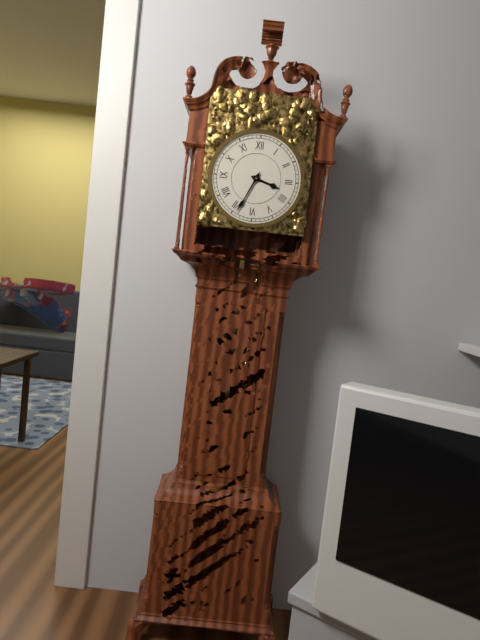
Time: {"hour": 3, "minute": 34}
